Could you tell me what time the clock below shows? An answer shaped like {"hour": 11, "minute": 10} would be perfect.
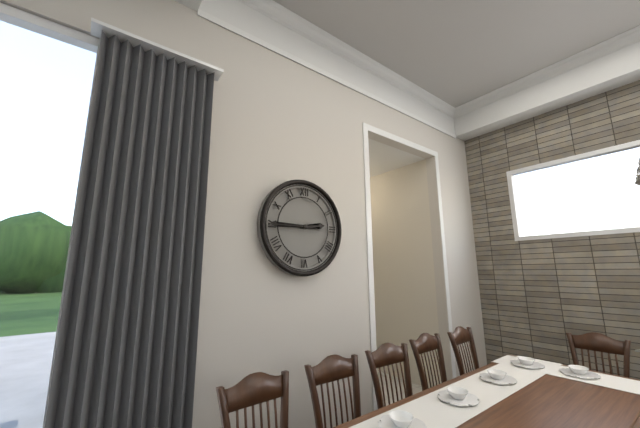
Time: {"hour": 2, "minute": 45}
